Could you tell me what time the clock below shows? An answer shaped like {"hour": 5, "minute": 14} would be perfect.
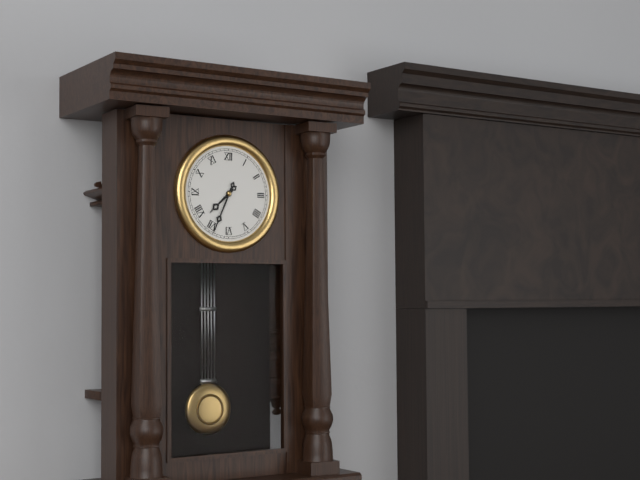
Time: {"hour": 7, "minute": 34}
